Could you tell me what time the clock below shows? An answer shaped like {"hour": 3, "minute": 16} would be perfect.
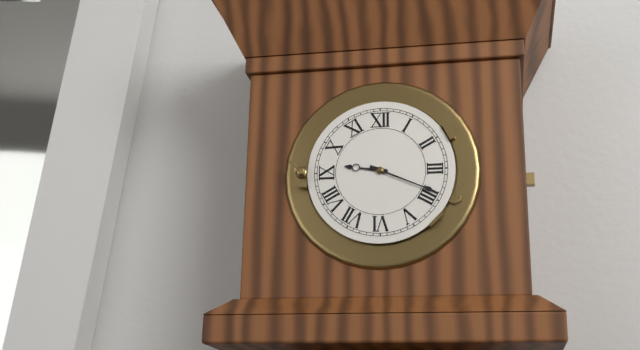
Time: {"hour": 9, "minute": 19}
